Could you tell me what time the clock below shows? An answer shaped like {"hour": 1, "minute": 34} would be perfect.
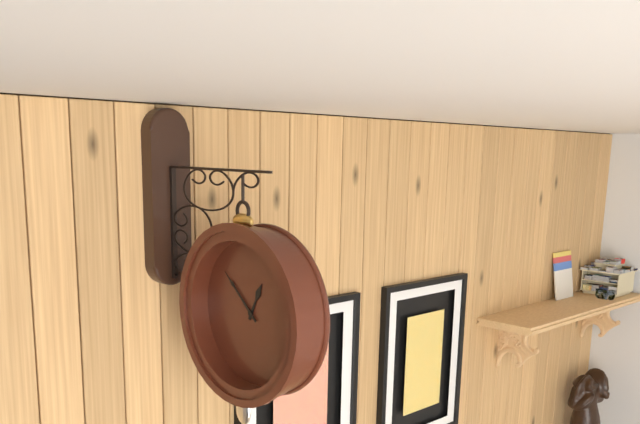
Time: {"hour": 12, "minute": 52}
